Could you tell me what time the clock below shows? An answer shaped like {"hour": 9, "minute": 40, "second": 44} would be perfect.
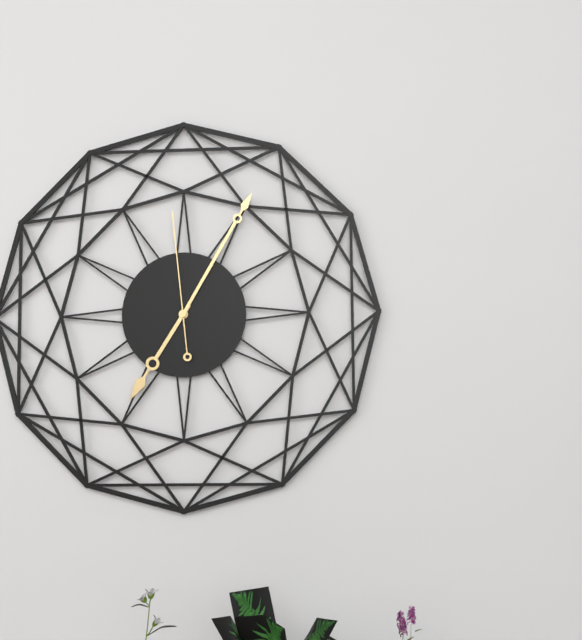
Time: {"hour": 7, "minute": 5, "second": 59}
